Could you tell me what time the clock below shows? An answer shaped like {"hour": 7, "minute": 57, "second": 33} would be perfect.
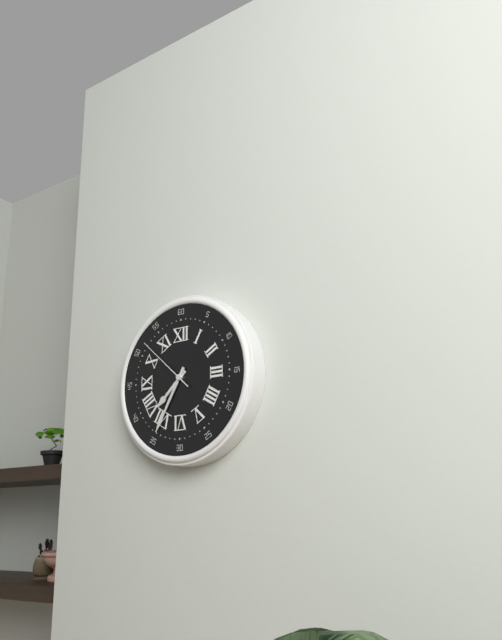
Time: {"hour": 7, "minute": 35, "second": 52}
